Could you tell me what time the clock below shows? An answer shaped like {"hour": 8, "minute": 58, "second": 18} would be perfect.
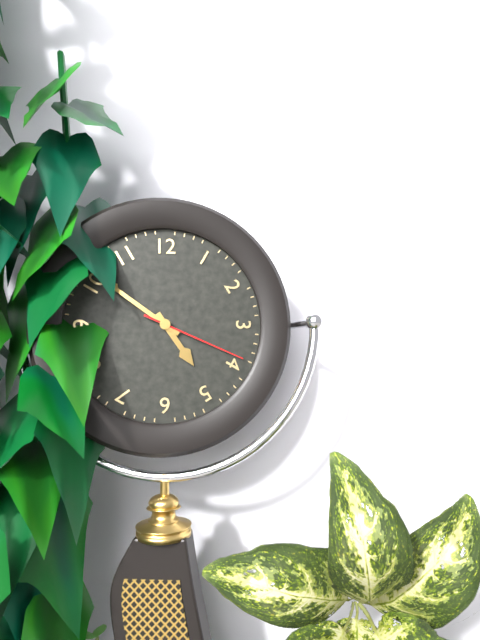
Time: {"hour": 4, "minute": 51, "second": 19}
